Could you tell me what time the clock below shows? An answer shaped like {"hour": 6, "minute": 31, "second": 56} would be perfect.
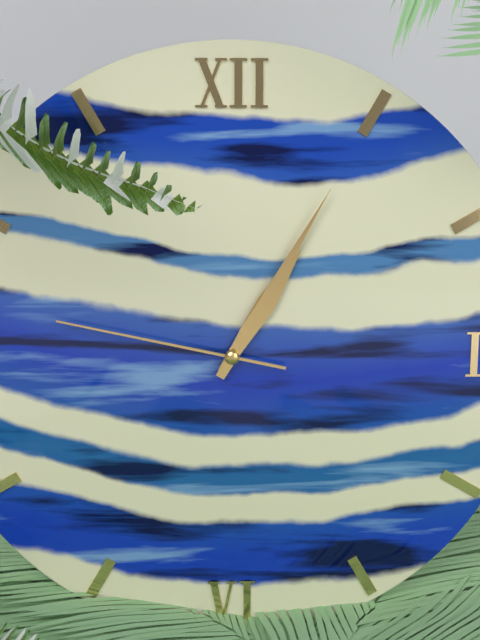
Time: {"hour": 1, "minute": 5, "second": 47}
